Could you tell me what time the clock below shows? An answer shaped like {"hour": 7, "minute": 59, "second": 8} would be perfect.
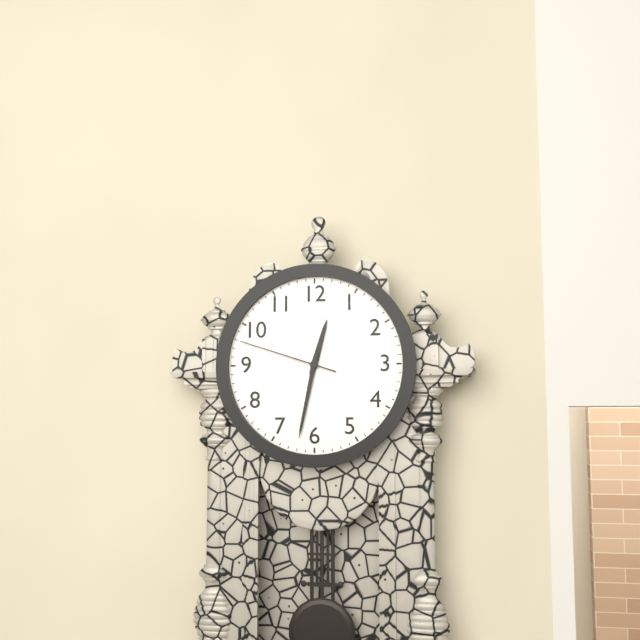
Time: {"hour": 12, "minute": 32, "second": 48}
